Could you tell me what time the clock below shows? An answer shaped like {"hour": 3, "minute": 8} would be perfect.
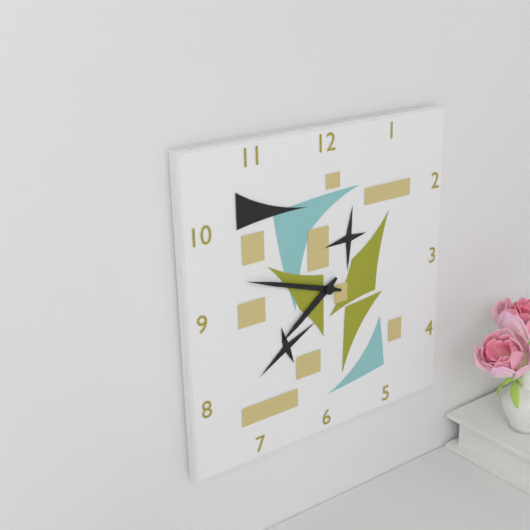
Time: {"hour": 7, "minute": 48}
